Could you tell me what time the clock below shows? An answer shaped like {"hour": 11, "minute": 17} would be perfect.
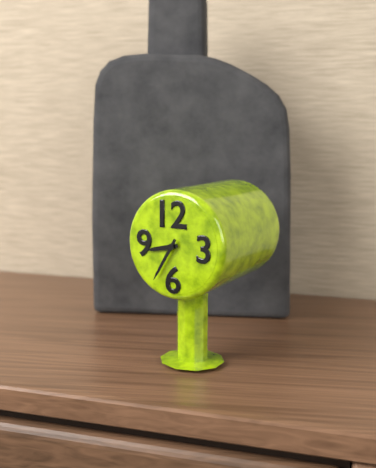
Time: {"hour": 8, "minute": 35}
